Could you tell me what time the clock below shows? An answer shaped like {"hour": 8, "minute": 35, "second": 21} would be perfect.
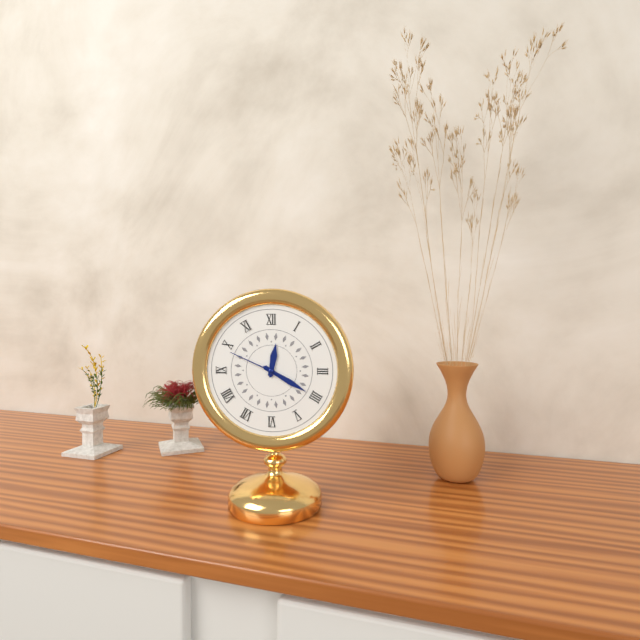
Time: {"hour": 12, "minute": 20, "second": 49}
